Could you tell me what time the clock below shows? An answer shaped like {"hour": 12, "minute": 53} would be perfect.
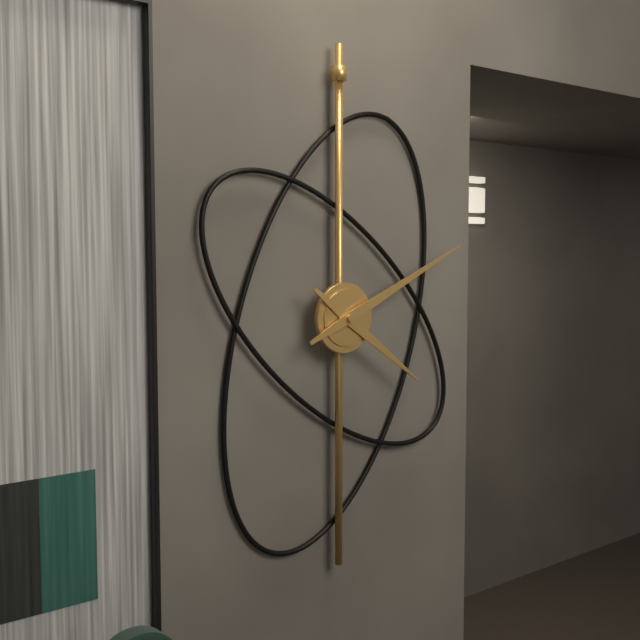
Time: {"hour": 4, "minute": 11}
